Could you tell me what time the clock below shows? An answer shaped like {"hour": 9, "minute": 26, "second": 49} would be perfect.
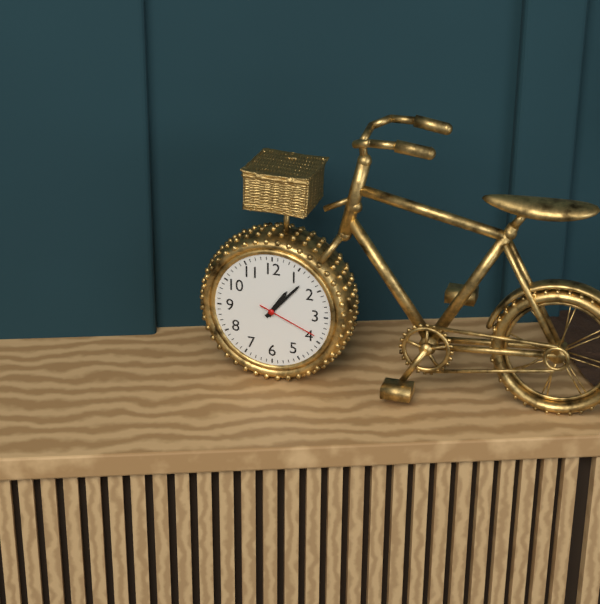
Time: {"hour": 1, "minute": 7, "second": 19}
